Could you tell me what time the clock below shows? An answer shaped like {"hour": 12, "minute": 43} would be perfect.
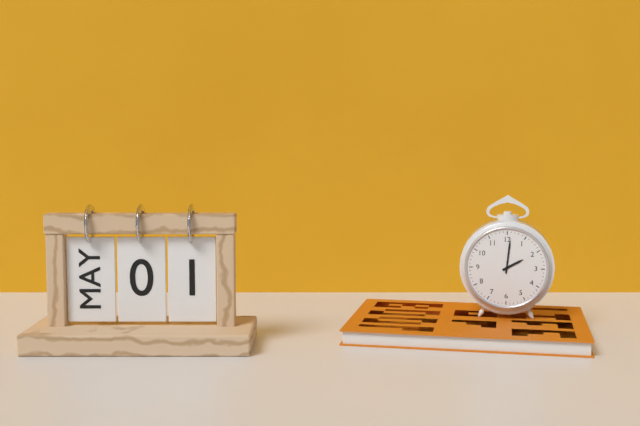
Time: {"hour": 2, "minute": 1}
